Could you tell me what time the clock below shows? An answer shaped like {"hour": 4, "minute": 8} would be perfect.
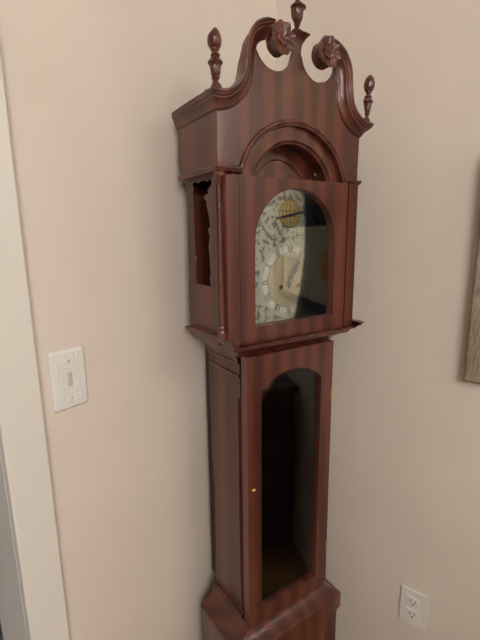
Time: {"hour": 1, "minute": 4}
